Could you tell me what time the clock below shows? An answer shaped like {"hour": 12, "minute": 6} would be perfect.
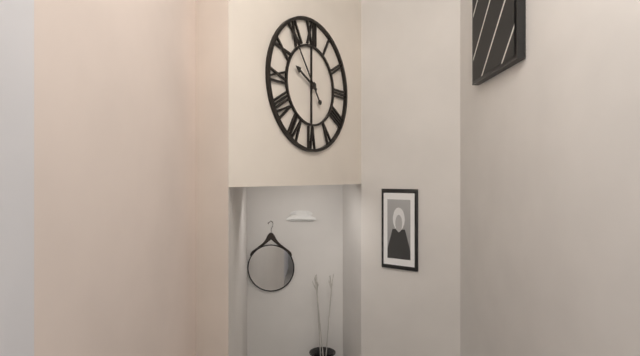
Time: {"hour": 9, "minute": 54}
